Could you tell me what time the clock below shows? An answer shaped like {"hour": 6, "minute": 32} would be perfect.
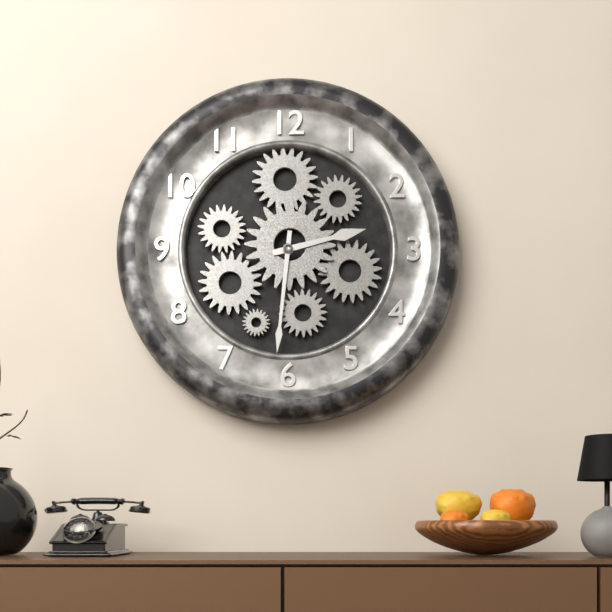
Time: {"hour": 2, "minute": 31}
